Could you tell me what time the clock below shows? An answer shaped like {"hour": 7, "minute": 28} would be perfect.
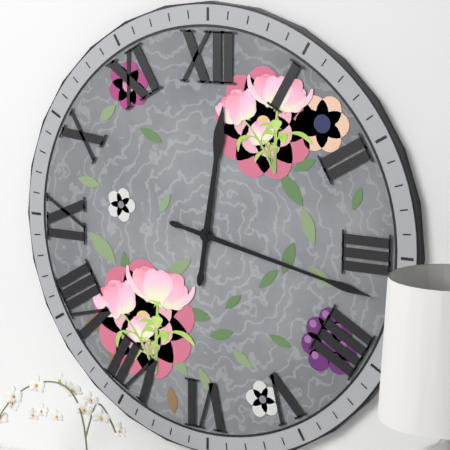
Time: {"hour": 12, "minute": 17}
